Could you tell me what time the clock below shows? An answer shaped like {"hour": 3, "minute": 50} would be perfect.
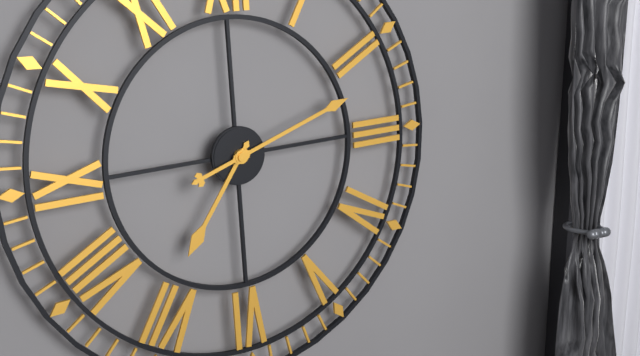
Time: {"hour": 7, "minute": 12}
